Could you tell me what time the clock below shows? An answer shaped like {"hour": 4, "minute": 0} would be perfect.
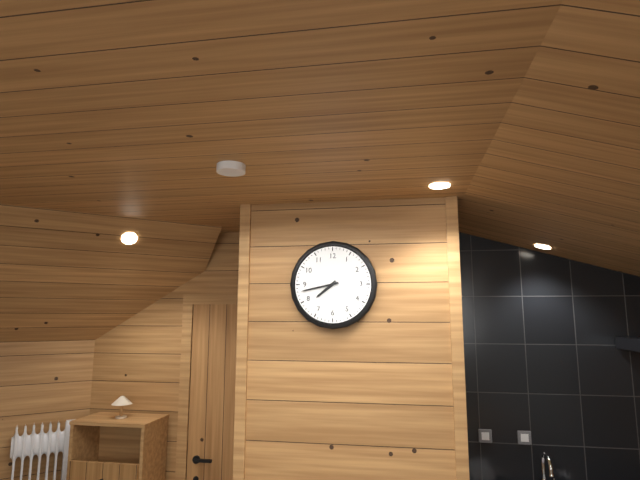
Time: {"hour": 7, "minute": 43}
